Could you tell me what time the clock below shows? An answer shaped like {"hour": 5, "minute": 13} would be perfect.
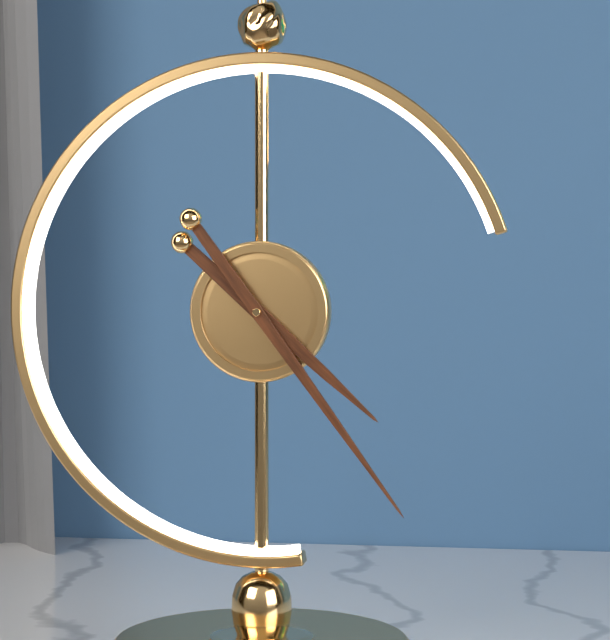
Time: {"hour": 4, "minute": 24}
